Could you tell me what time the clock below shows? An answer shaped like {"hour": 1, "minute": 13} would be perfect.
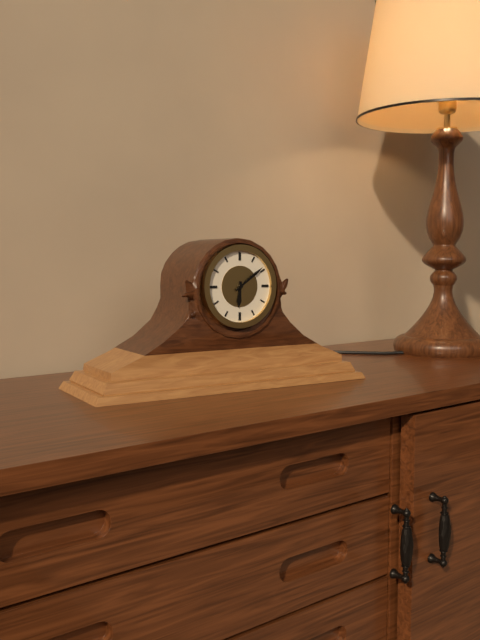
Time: {"hour": 6, "minute": 9}
